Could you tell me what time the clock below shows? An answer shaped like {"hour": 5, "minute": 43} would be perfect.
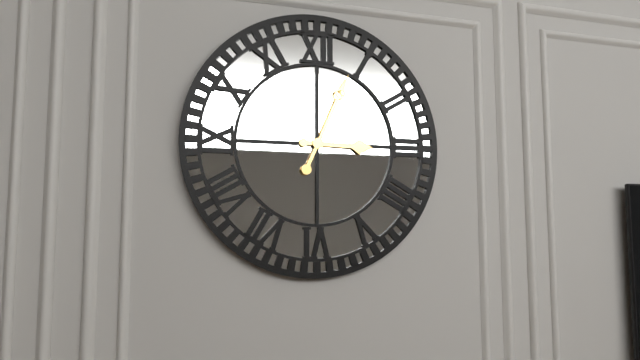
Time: {"hour": 3, "minute": 4}
